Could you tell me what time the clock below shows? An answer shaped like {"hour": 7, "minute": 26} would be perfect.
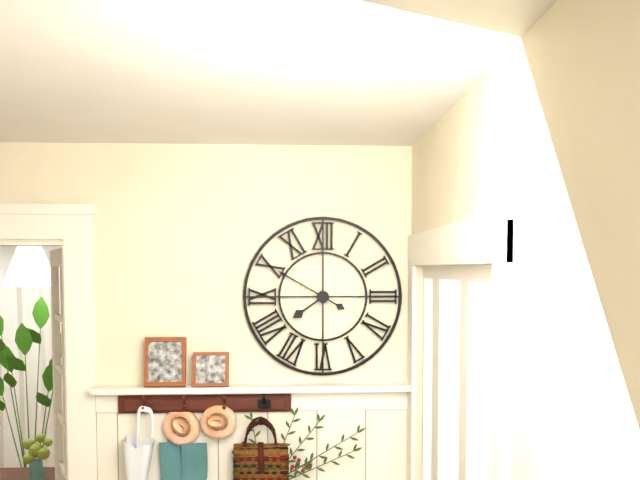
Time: {"hour": 7, "minute": 50}
